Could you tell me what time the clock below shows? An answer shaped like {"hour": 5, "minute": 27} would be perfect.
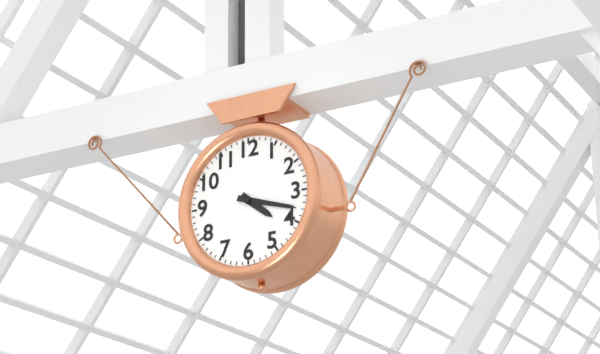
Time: {"hour": 4, "minute": 18}
